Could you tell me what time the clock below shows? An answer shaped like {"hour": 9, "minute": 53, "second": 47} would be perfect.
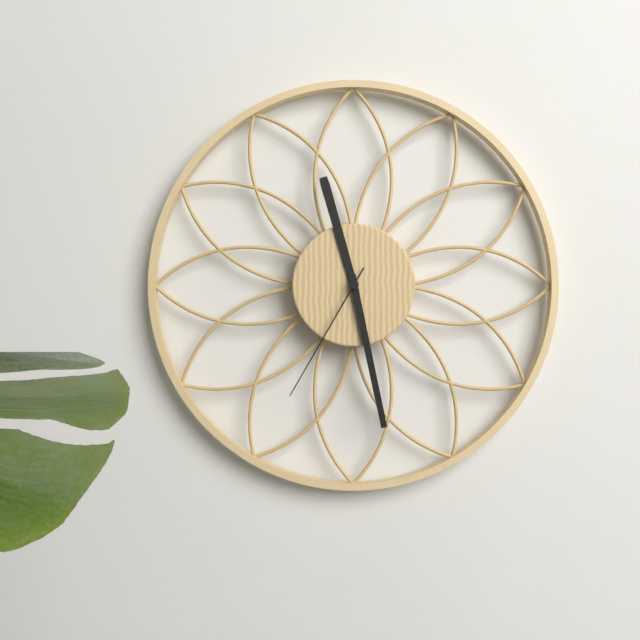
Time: {"hour": 11, "minute": 28, "second": 35}
